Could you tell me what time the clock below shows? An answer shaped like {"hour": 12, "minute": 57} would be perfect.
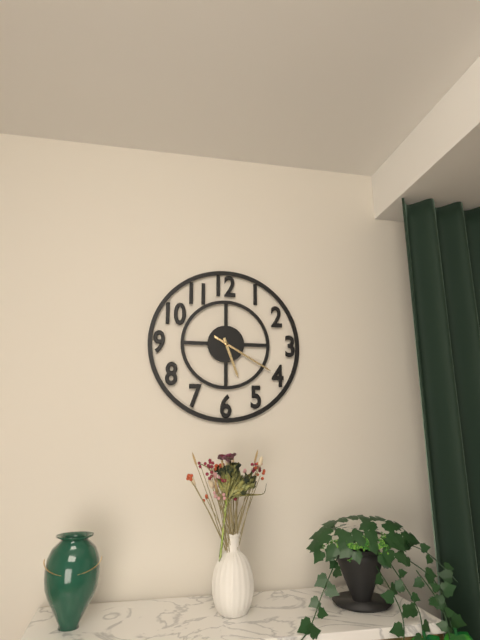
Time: {"hour": 5, "minute": 20}
